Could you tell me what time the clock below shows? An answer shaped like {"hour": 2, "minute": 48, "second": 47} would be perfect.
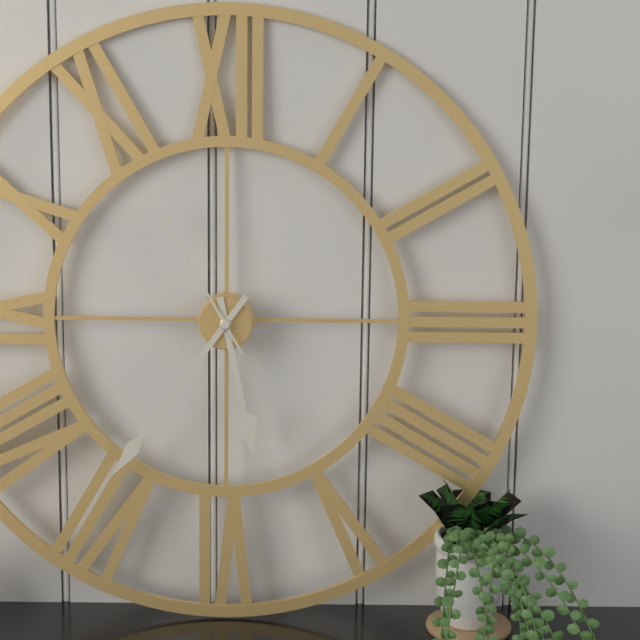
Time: {"hour": 5, "minute": 36, "second": 55}
